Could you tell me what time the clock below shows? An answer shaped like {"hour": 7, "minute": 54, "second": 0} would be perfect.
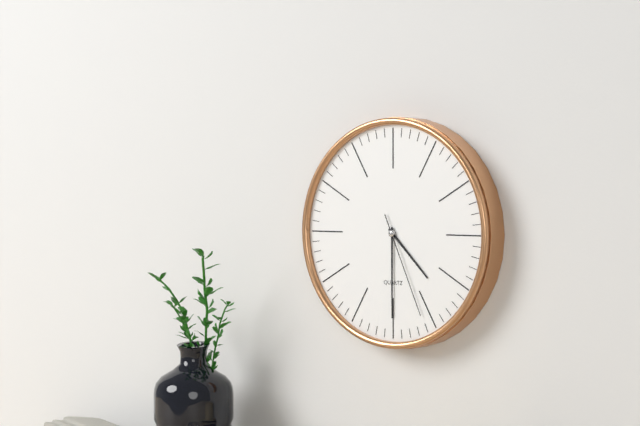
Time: {"hour": 4, "minute": 30, "second": 26}
